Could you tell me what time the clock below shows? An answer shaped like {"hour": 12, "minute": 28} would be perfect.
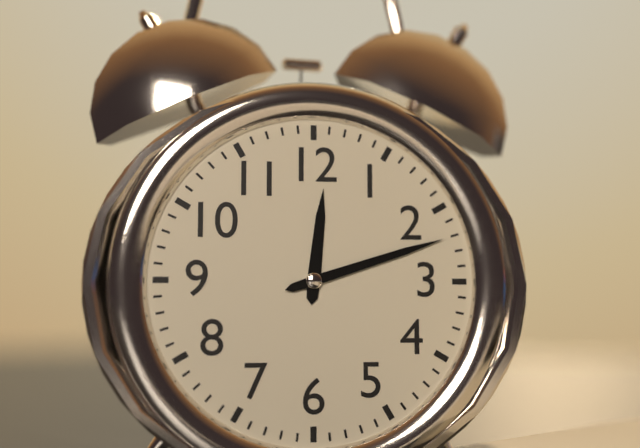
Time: {"hour": 12, "minute": 12}
